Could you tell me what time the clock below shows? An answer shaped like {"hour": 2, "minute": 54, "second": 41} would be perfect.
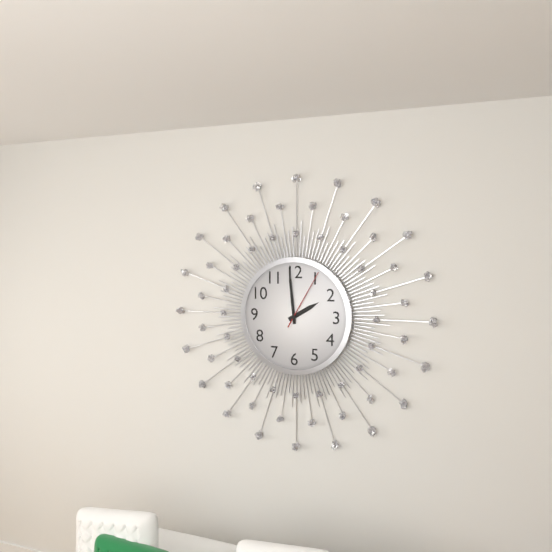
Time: {"hour": 1, "minute": 59, "second": 5}
